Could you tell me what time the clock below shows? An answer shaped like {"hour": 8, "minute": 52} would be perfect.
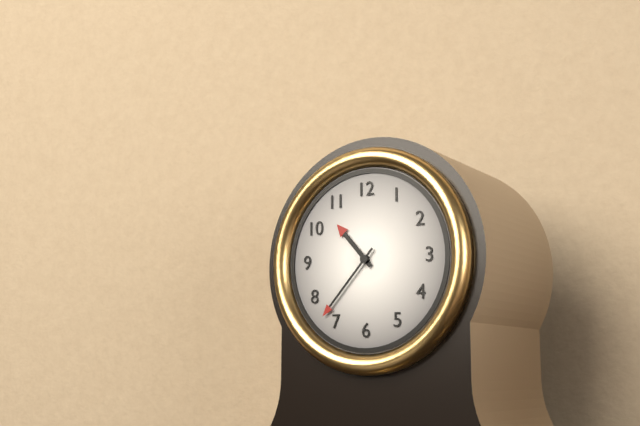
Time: {"hour": 10, "minute": 37}
